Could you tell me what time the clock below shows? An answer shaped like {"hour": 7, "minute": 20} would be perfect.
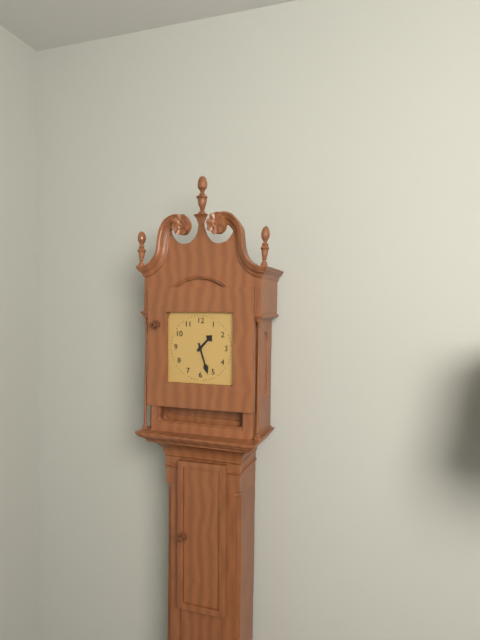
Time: {"hour": 1, "minute": 27}
